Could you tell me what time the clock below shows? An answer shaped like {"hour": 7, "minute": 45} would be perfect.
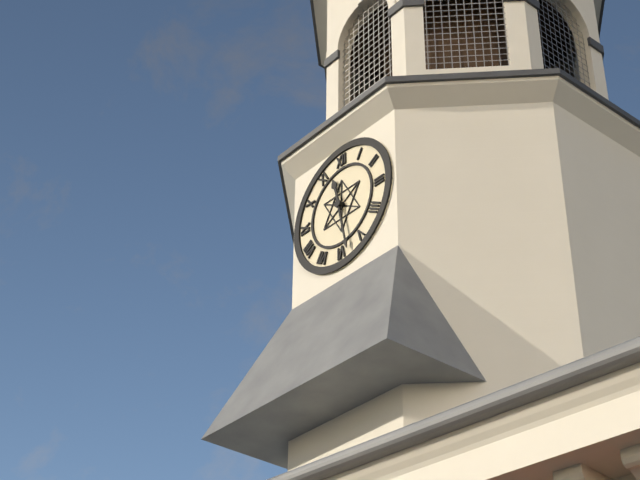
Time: {"hour": 11, "minute": 28}
